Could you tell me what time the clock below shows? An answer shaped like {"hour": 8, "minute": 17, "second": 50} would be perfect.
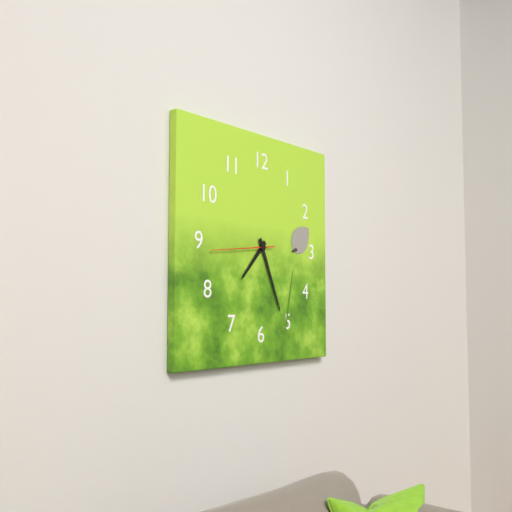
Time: {"hour": 7, "minute": 26, "second": 44}
